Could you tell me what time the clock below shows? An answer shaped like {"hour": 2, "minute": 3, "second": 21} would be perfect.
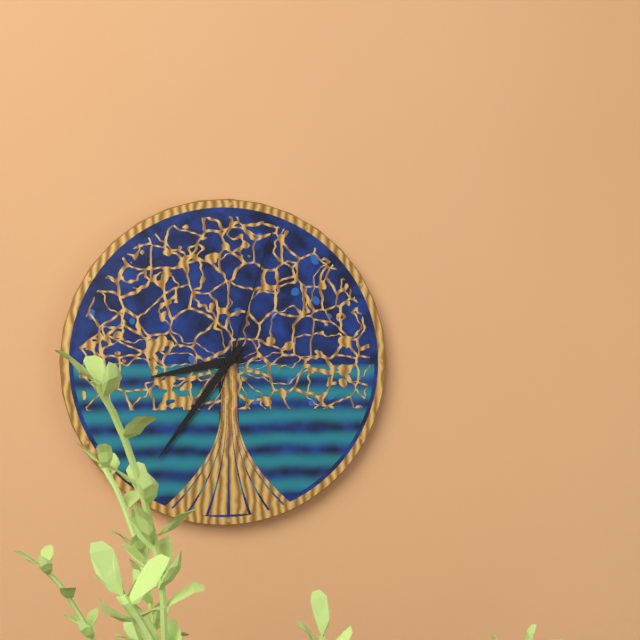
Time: {"hour": 8, "minute": 36, "second": 3}
